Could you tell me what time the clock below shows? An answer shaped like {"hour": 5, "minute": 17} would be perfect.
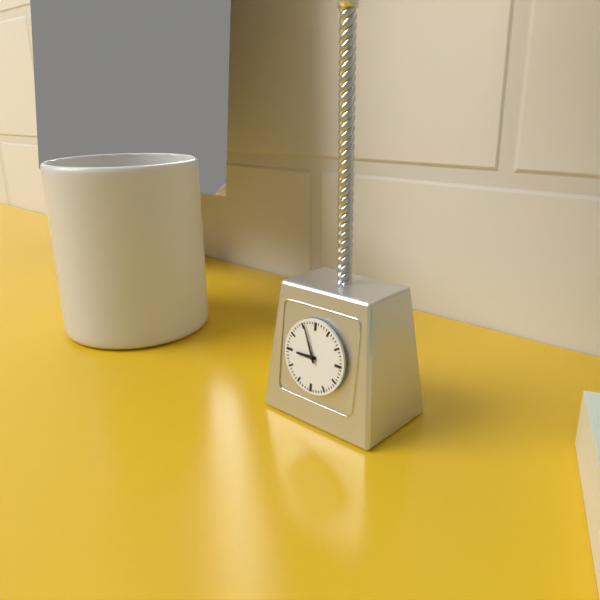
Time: {"hour": 8, "minute": 56}
